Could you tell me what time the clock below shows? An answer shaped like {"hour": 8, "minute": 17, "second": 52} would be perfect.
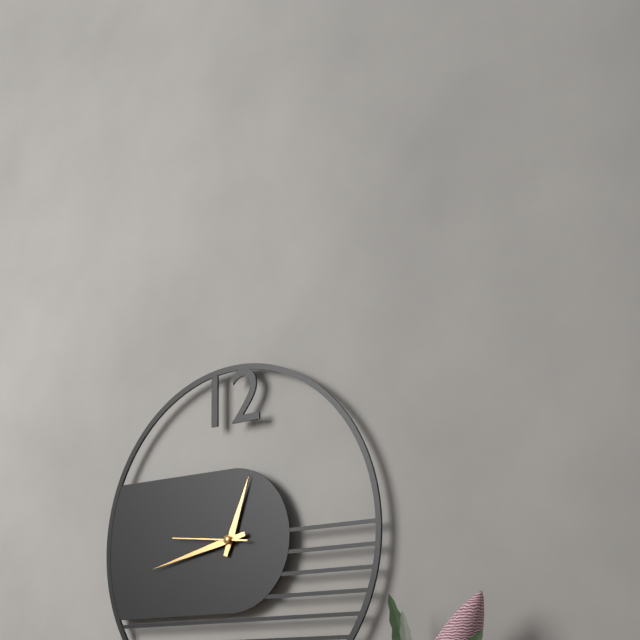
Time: {"hour": 12, "minute": 43, "second": 46}
